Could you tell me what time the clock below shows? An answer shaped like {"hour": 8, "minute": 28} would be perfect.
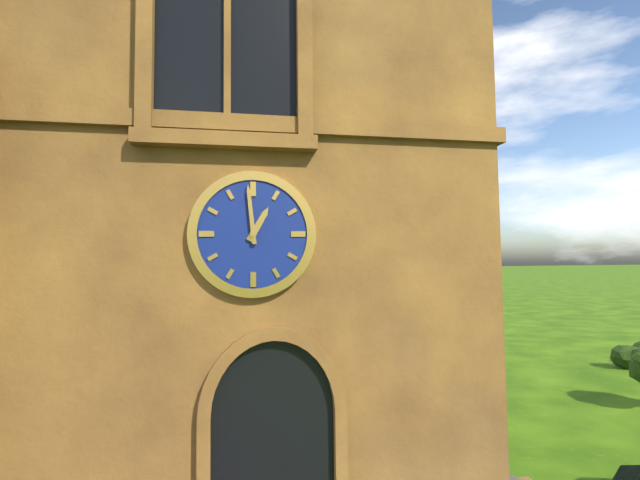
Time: {"hour": 12, "minute": 59}
